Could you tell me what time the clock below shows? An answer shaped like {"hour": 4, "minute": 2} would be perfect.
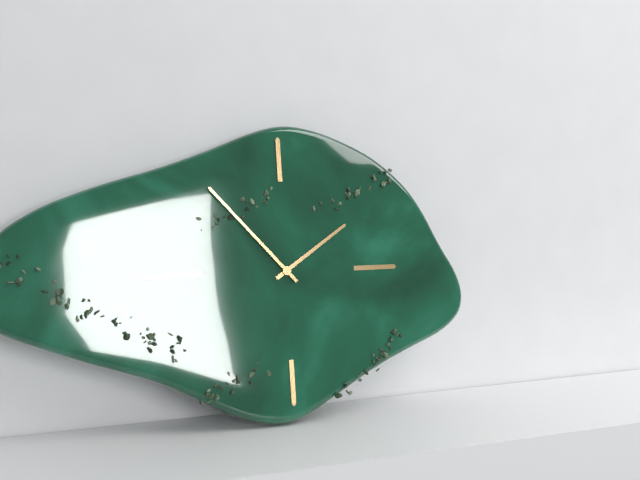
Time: {"hour": 1, "minute": 53}
